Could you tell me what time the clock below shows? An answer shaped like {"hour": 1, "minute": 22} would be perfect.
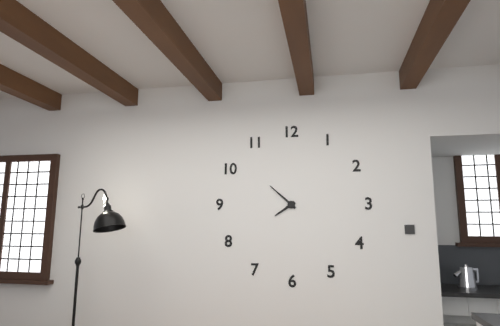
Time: {"hour": 7, "minute": 52}
